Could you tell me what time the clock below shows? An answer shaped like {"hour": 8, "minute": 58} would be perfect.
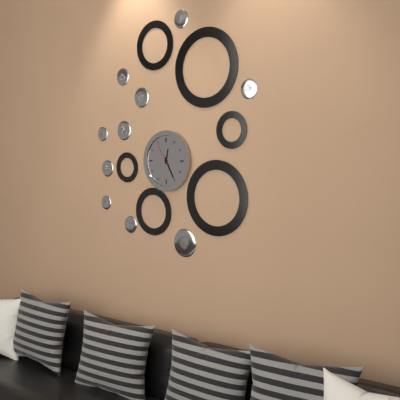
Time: {"hour": 12, "minute": 25}
